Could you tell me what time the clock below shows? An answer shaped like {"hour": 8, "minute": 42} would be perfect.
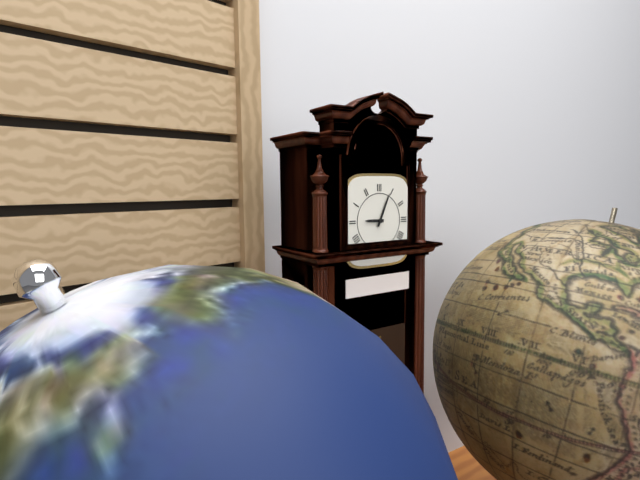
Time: {"hour": 9, "minute": 4}
